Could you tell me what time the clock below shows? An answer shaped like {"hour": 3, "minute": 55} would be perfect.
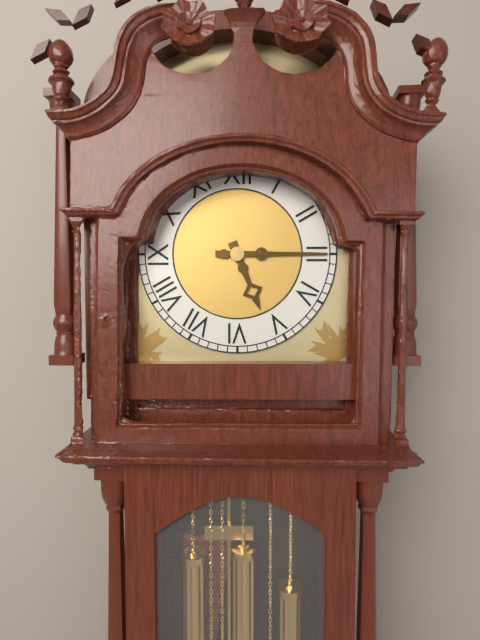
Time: {"hour": 5, "minute": 15}
